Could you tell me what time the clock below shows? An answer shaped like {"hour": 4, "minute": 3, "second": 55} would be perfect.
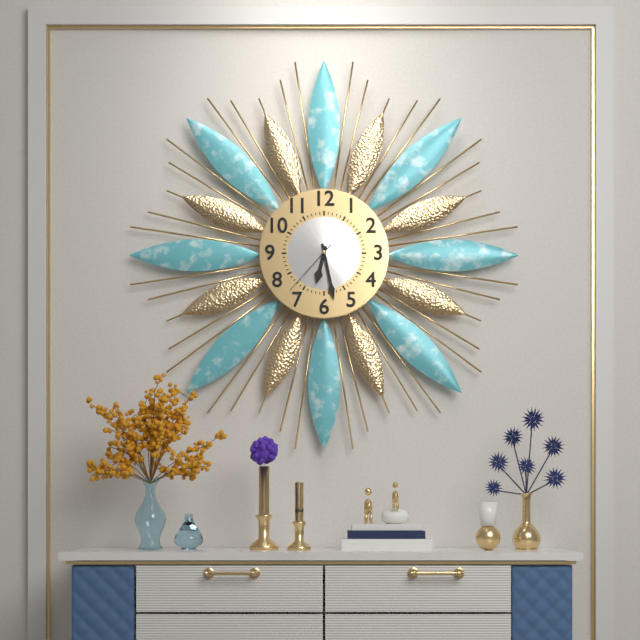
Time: {"hour": 6, "minute": 28, "second": 37}
